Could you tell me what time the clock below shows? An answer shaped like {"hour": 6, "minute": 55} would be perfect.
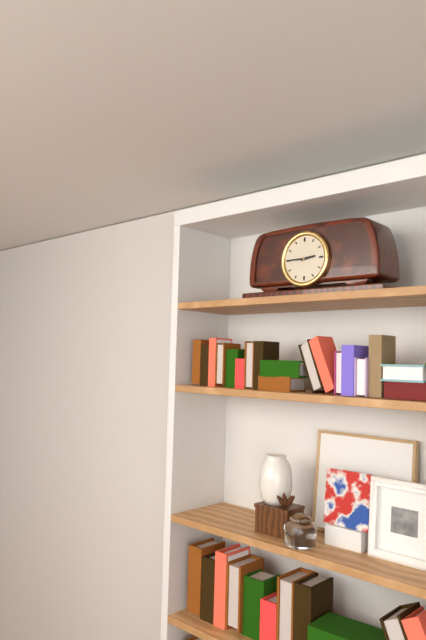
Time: {"hour": 2, "minute": 45}
